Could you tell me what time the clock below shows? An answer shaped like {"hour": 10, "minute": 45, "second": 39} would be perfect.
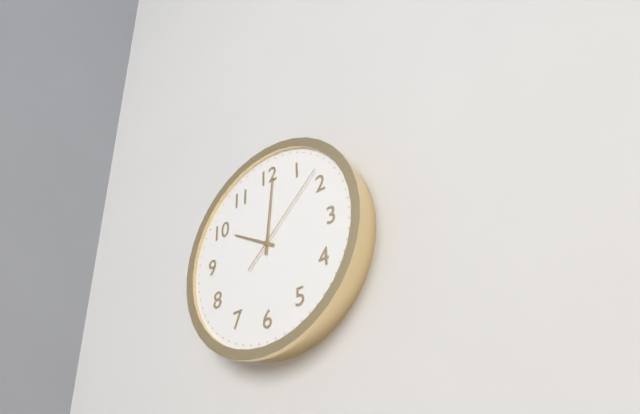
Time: {"hour": 10, "minute": 1, "second": 8}
